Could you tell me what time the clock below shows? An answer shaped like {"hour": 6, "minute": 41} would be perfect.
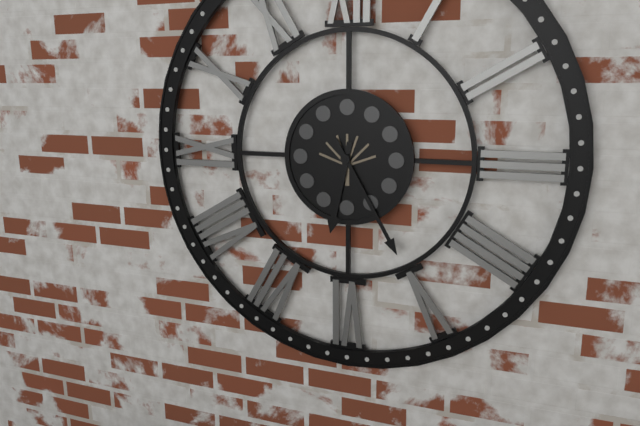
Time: {"hour": 6, "minute": 25}
